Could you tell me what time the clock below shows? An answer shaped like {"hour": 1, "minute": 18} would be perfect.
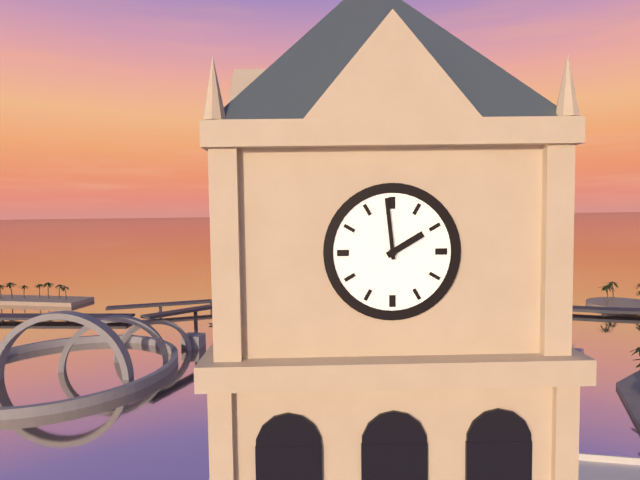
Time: {"hour": 1, "minute": 59}
